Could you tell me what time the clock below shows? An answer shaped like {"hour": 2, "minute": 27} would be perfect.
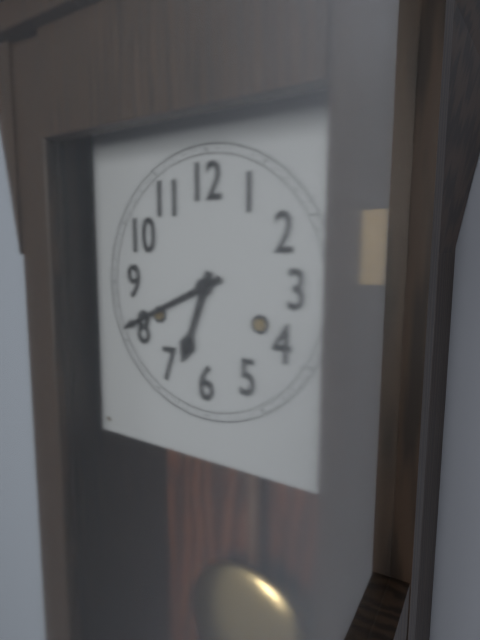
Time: {"hour": 6, "minute": 41}
